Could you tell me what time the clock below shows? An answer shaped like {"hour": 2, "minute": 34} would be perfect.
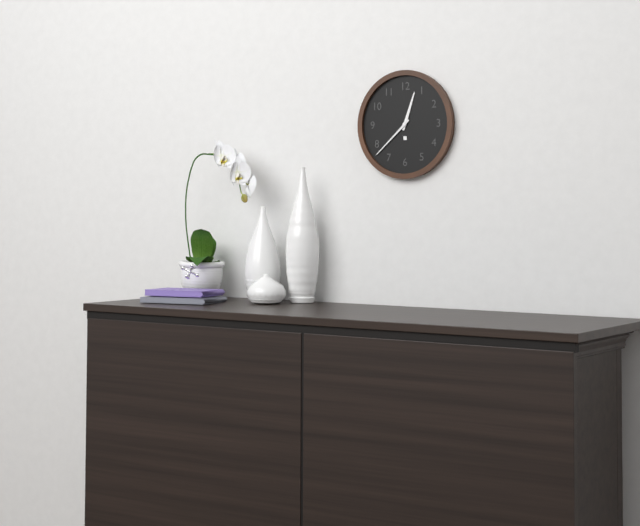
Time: {"hour": 12, "minute": 38}
